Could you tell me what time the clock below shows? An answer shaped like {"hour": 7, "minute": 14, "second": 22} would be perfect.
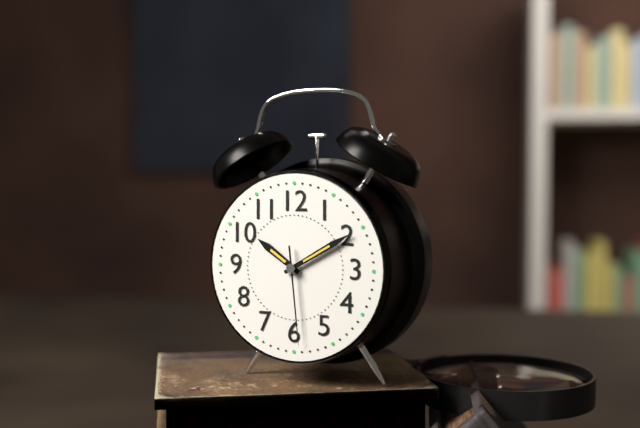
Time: {"hour": 10, "minute": 10, "second": 29}
